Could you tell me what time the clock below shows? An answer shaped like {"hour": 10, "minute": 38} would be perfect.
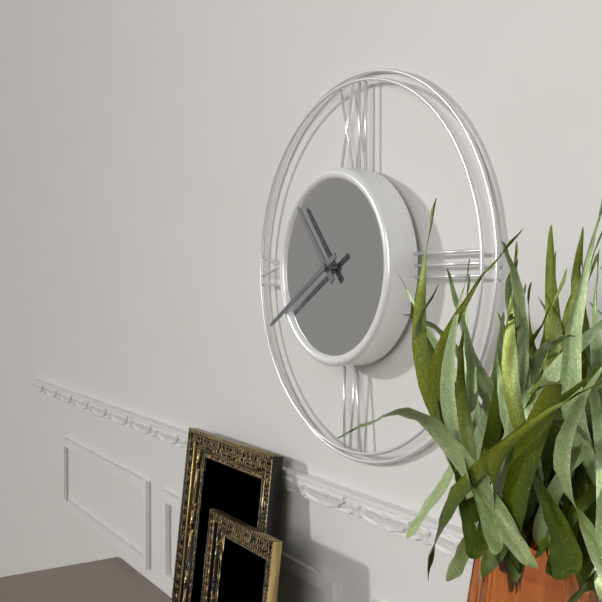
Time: {"hour": 10, "minute": 40}
